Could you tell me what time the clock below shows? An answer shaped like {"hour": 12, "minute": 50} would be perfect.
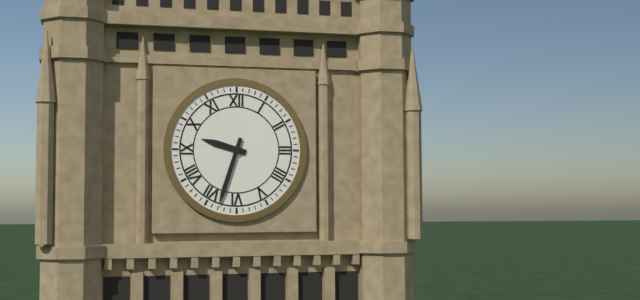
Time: {"hour": 9, "minute": 33}
